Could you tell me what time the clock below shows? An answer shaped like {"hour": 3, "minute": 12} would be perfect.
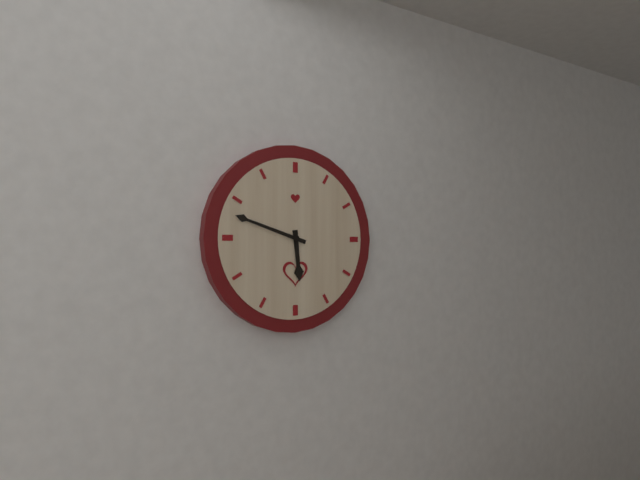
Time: {"hour": 5, "minute": 48}
